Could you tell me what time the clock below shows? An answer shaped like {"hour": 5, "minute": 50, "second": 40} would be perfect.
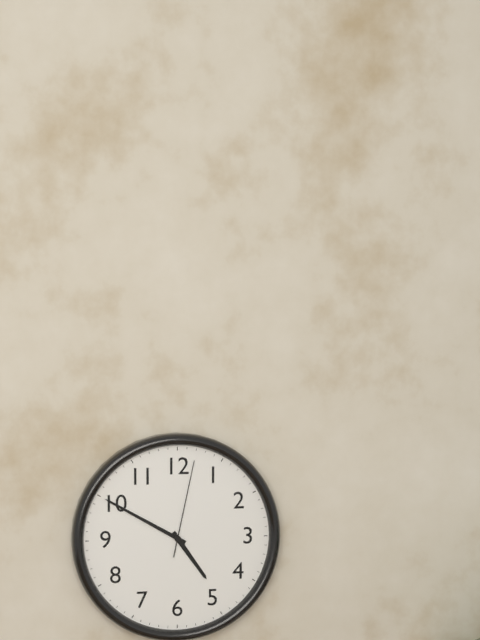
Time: {"hour": 4, "minute": 50, "second": 2}
